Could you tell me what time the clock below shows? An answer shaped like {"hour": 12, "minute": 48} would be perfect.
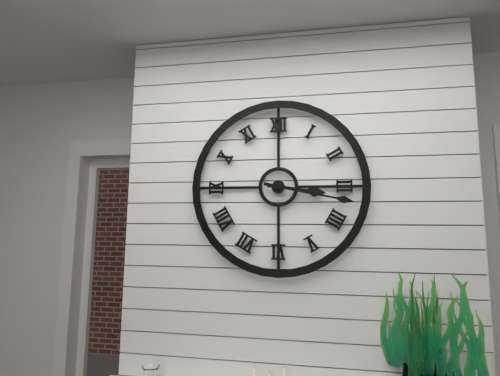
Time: {"hour": 3, "minute": 17}
